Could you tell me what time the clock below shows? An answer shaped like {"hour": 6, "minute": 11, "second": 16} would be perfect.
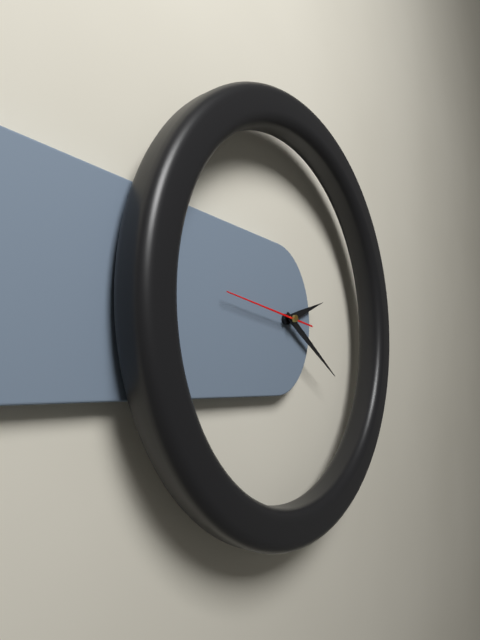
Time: {"hour": 2, "minute": 20, "second": 46}
